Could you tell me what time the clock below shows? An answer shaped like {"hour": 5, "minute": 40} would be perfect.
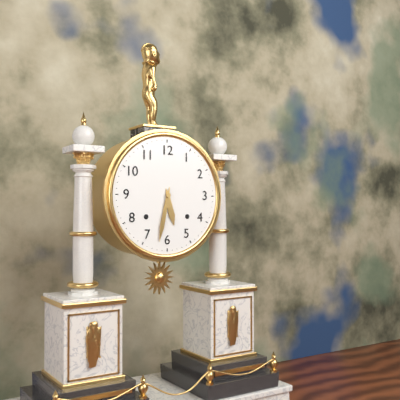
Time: {"hour": 5, "minute": 32}
